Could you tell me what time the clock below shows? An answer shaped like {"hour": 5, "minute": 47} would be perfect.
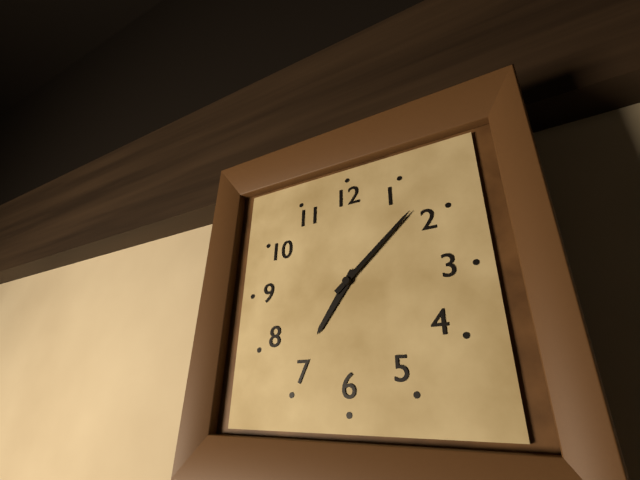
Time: {"hour": 7, "minute": 8}
